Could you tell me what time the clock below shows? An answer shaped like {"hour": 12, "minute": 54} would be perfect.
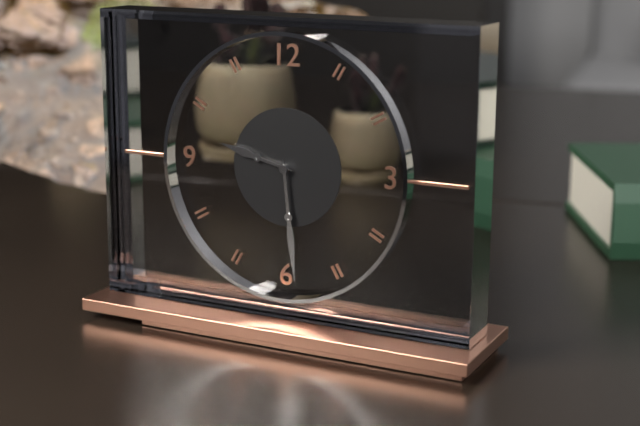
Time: {"hour": 9, "minute": 29}
